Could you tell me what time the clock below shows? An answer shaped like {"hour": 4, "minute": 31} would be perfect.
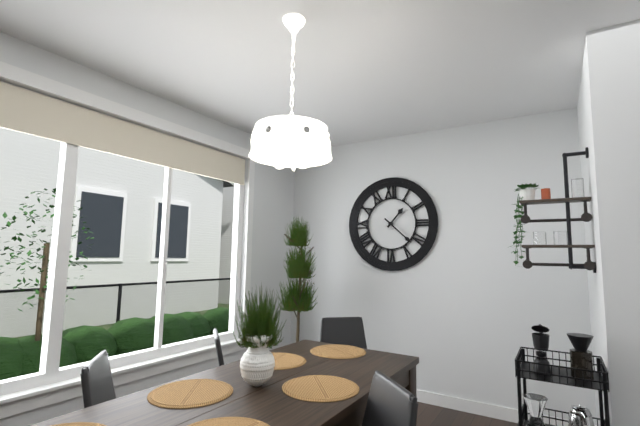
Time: {"hour": 1, "minute": 22}
